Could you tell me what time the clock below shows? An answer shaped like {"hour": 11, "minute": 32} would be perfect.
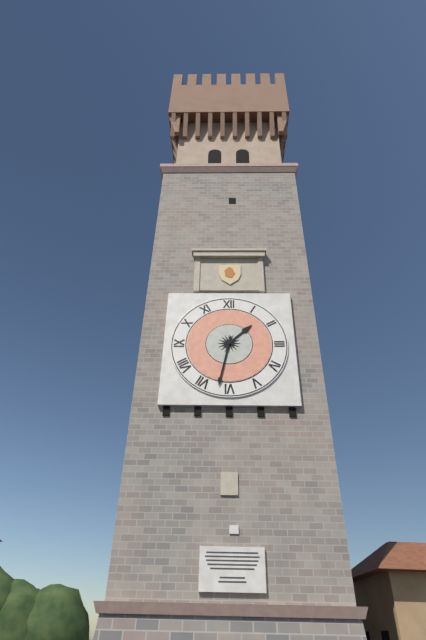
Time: {"hour": 1, "minute": 32}
